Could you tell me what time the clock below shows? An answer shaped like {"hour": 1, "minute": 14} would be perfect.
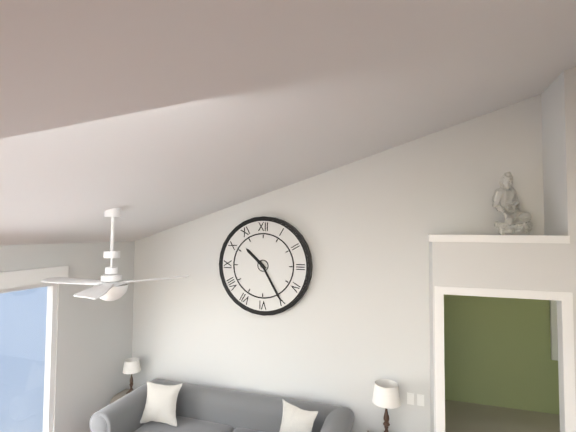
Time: {"hour": 10, "minute": 25}
